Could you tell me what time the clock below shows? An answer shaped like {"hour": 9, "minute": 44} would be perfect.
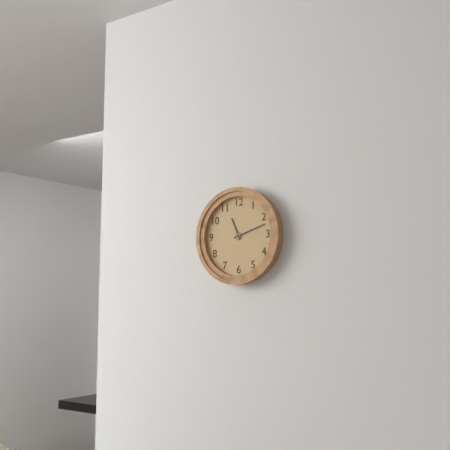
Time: {"hour": 11, "minute": 12}
